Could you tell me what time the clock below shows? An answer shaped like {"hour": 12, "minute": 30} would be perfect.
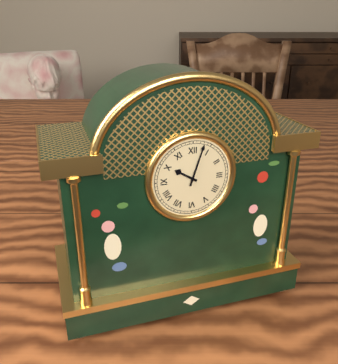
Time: {"hour": 10, "minute": 3}
